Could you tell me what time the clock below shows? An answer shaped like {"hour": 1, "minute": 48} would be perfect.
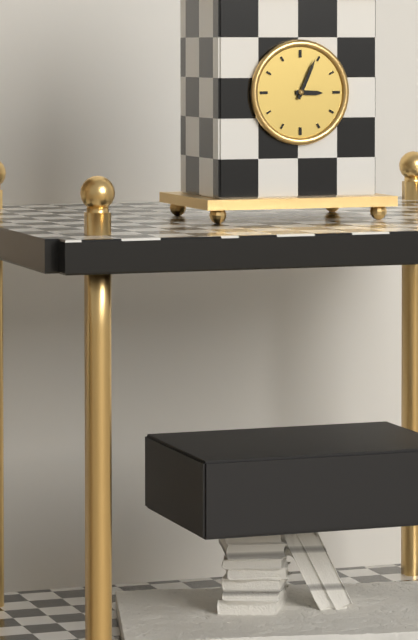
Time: {"hour": 3, "minute": 4}
